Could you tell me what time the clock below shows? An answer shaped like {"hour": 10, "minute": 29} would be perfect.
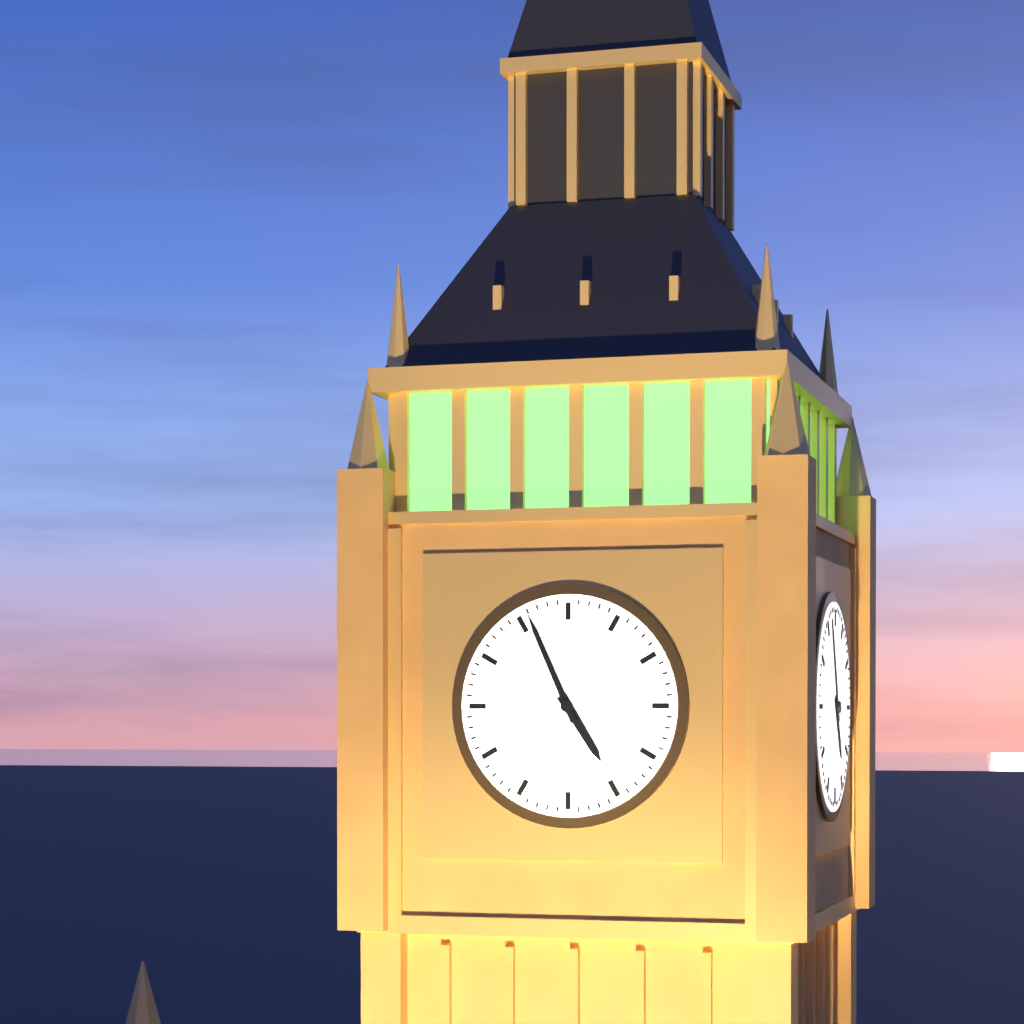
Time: {"hour": 4, "minute": 56}
